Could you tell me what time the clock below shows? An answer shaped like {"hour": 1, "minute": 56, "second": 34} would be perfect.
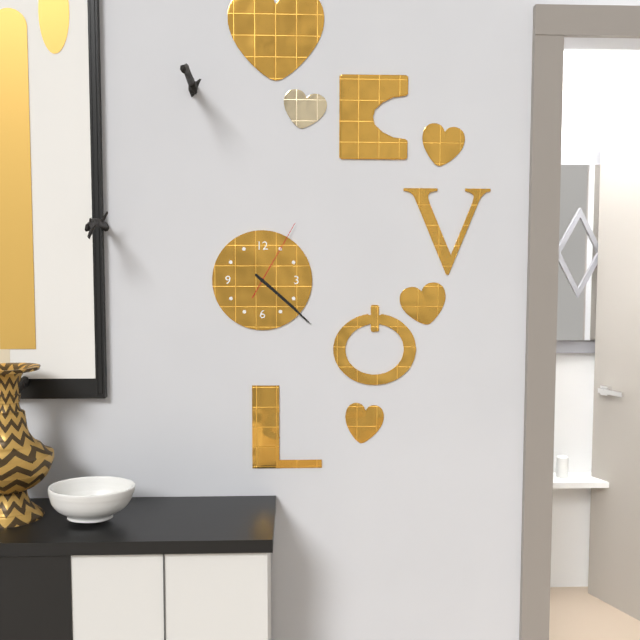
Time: {"hour": 4, "minute": 22, "second": 5}
